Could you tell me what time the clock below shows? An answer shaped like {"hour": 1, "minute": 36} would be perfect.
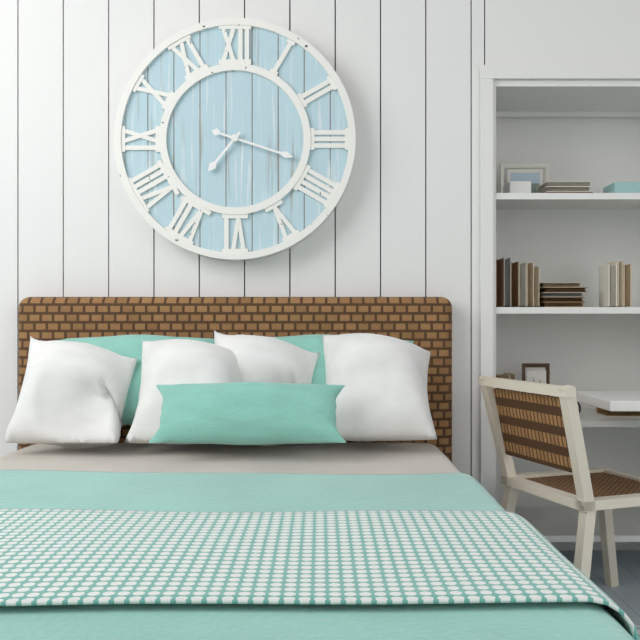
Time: {"hour": 7, "minute": 18}
